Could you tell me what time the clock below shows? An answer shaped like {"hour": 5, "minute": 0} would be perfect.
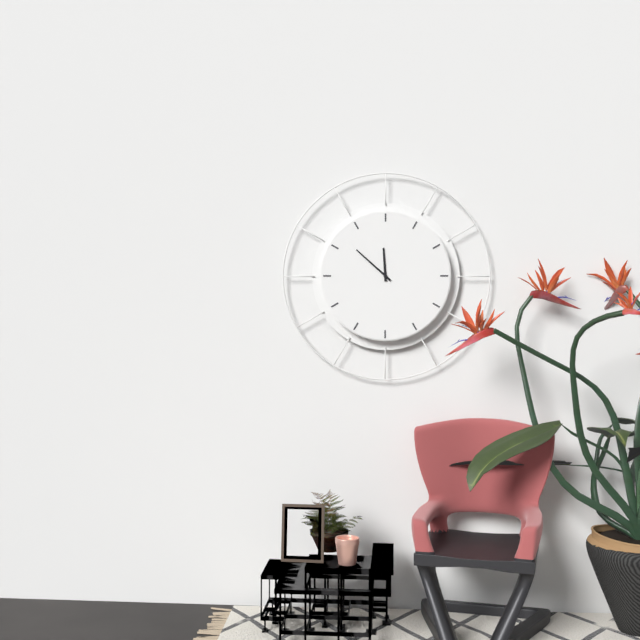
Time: {"hour": 11, "minute": 52}
